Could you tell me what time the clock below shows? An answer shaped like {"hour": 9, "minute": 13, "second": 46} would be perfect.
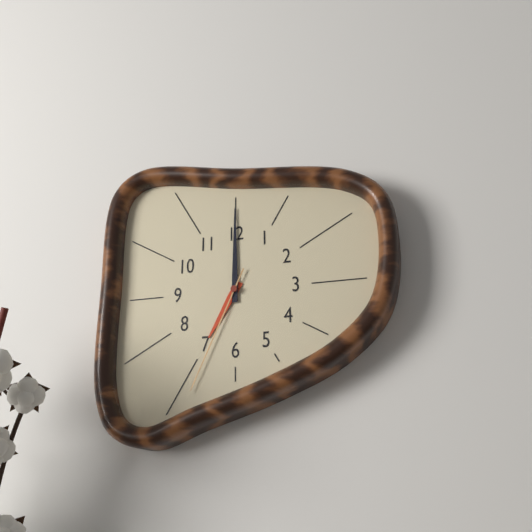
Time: {"hour": 7, "minute": 0, "second": 34}
